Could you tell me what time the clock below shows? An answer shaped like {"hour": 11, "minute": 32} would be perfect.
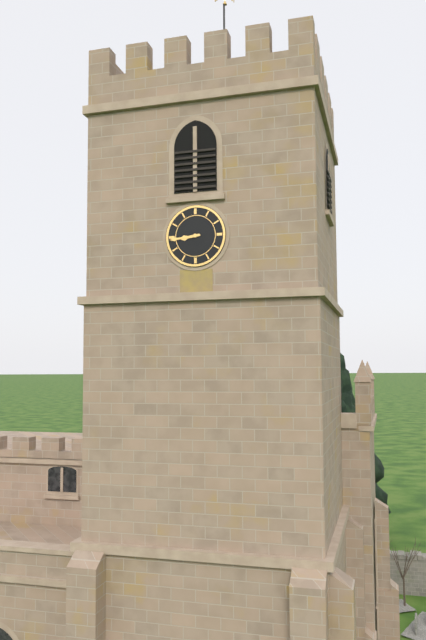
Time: {"hour": 8, "minute": 44}
